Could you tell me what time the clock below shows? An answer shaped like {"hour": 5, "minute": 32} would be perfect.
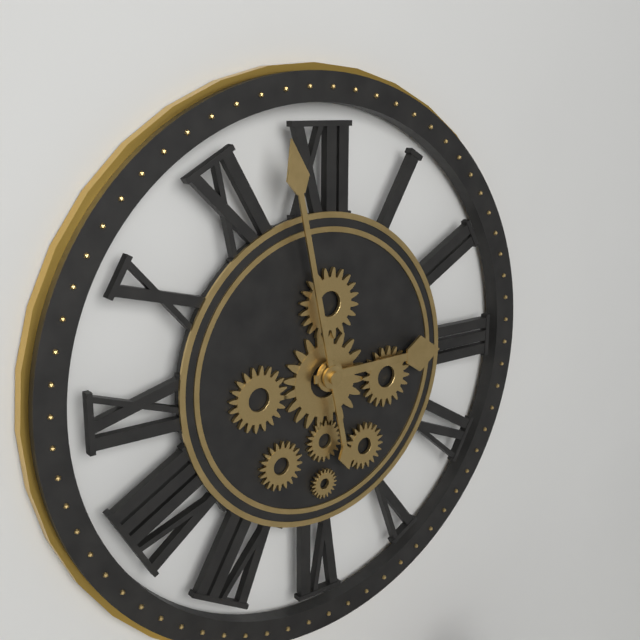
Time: {"hour": 2, "minute": 58}
